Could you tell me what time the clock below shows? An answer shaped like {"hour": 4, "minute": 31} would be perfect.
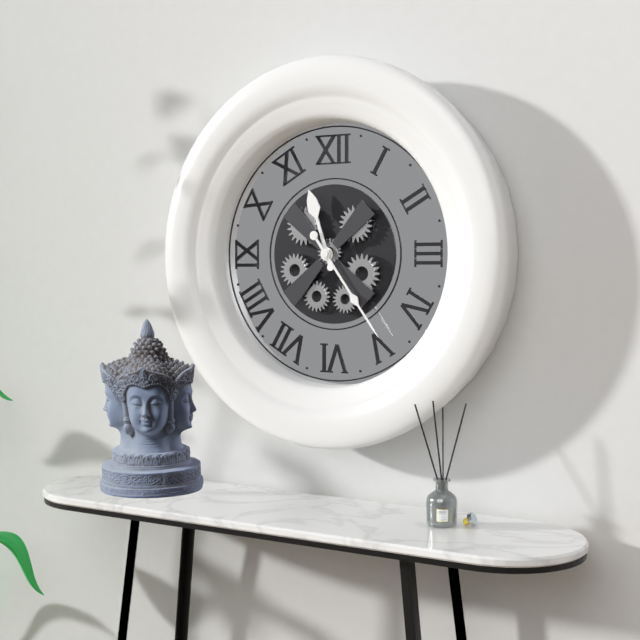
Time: {"hour": 11, "minute": 24}
